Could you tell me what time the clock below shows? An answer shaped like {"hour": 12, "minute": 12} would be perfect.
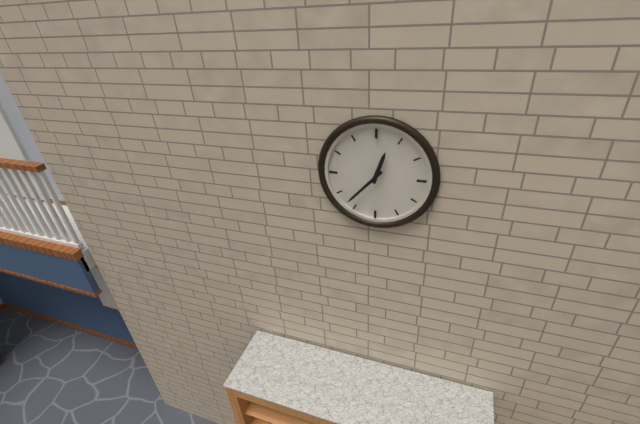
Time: {"hour": 12, "minute": 37}
